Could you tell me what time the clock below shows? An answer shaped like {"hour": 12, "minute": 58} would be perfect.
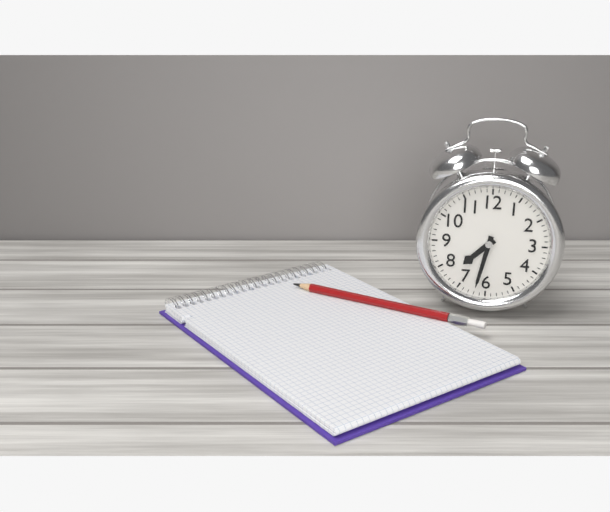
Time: {"hour": 7, "minute": 32}
